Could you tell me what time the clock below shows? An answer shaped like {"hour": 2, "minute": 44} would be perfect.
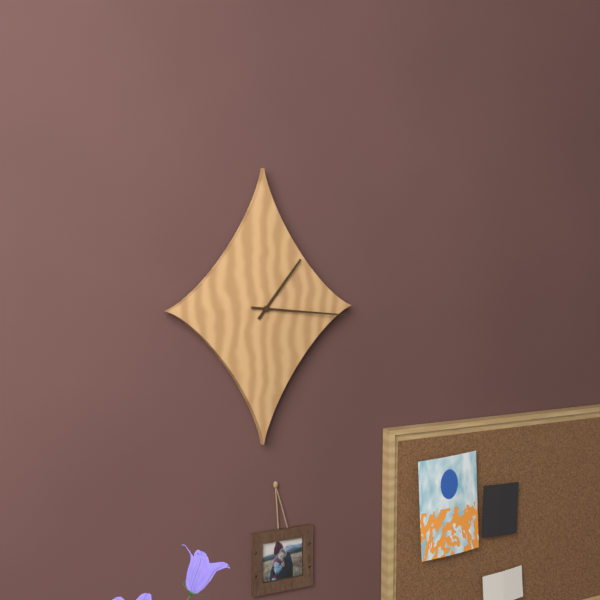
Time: {"hour": 1, "minute": 16}
